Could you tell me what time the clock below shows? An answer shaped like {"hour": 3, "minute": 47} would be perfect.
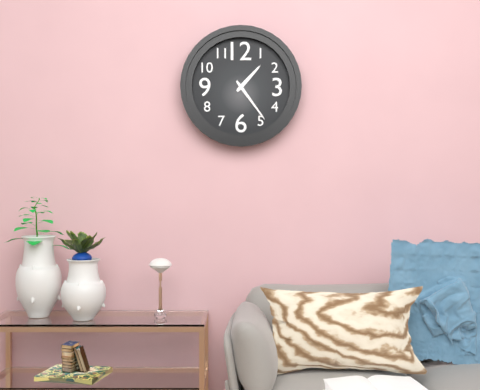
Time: {"hour": 1, "minute": 24}
